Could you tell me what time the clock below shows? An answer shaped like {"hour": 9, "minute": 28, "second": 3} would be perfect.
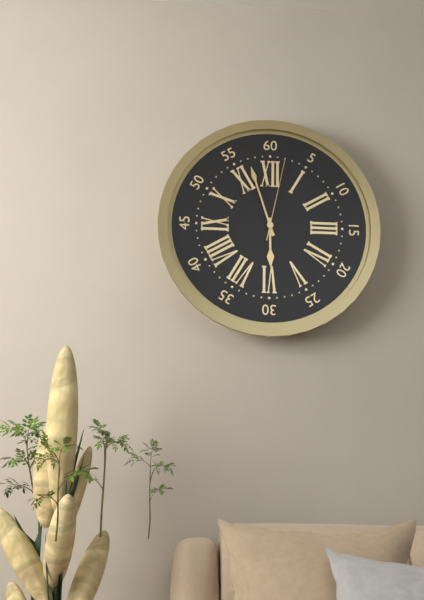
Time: {"hour": 5, "minute": 57, "second": 2}
